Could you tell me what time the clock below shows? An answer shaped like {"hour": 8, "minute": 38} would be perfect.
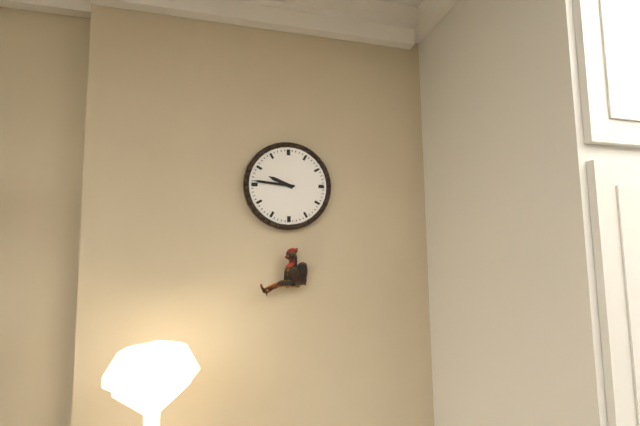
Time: {"hour": 9, "minute": 46}
